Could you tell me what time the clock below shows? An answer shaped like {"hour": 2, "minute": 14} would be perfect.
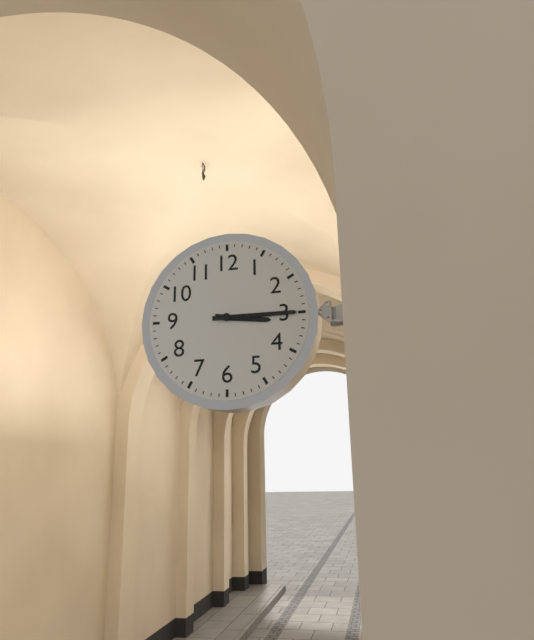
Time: {"hour": 3, "minute": 15}
